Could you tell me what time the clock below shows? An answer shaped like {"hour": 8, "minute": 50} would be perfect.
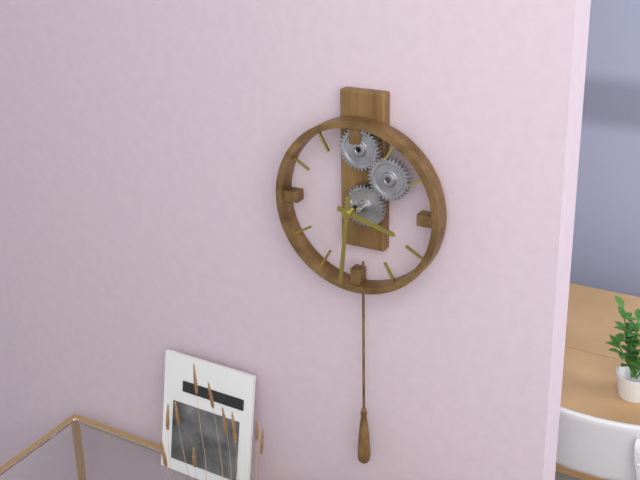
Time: {"hour": 3, "minute": 31}
